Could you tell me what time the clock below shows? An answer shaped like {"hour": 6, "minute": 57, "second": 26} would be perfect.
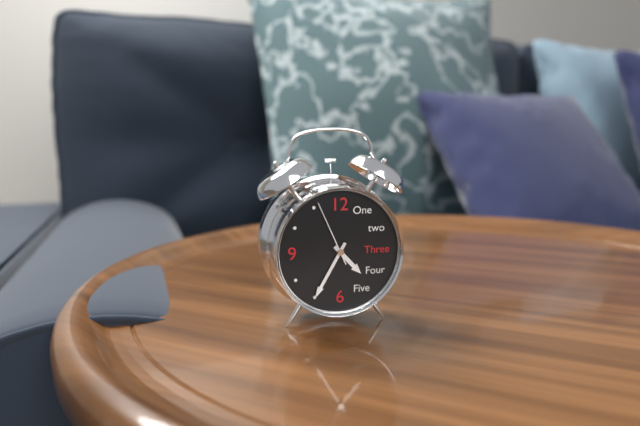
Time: {"hour": 4, "minute": 35, "second": 56}
